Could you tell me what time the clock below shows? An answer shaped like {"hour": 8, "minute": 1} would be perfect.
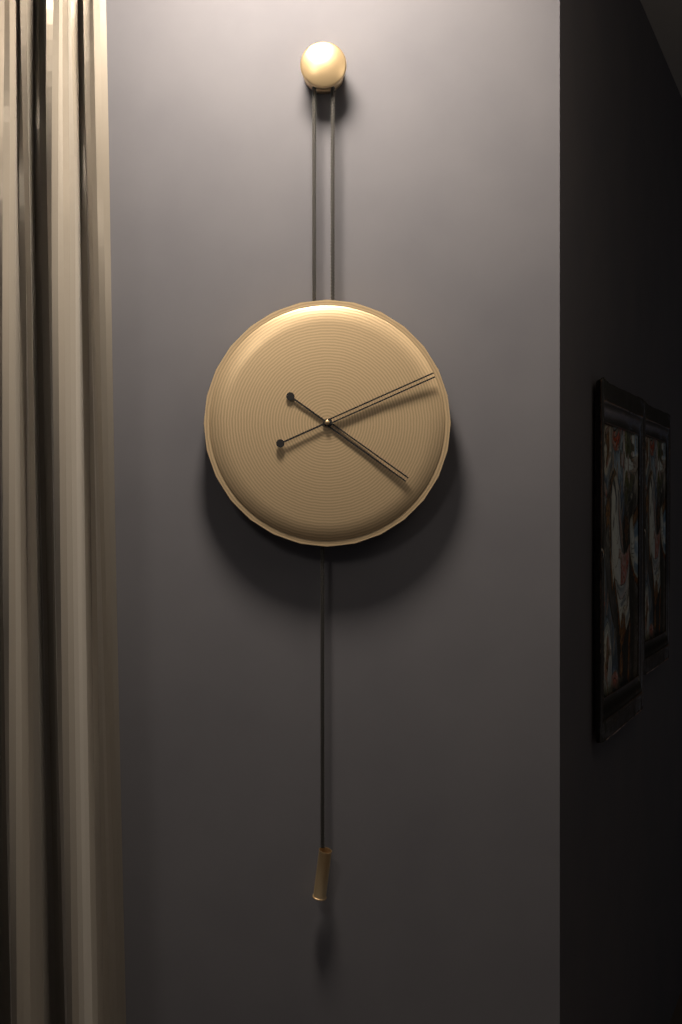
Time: {"hour": 4, "minute": 11}
